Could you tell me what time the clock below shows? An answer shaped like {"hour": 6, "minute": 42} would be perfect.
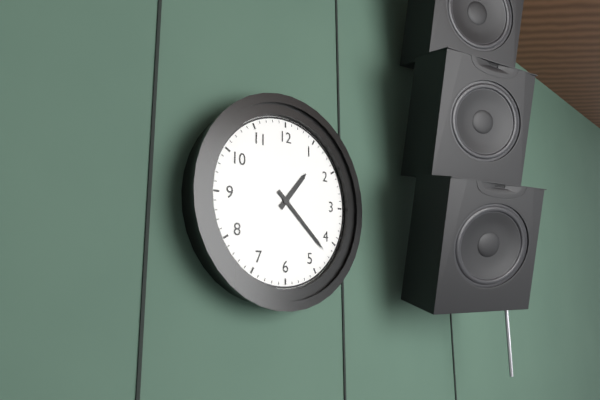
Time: {"hour": 1, "minute": 22}
